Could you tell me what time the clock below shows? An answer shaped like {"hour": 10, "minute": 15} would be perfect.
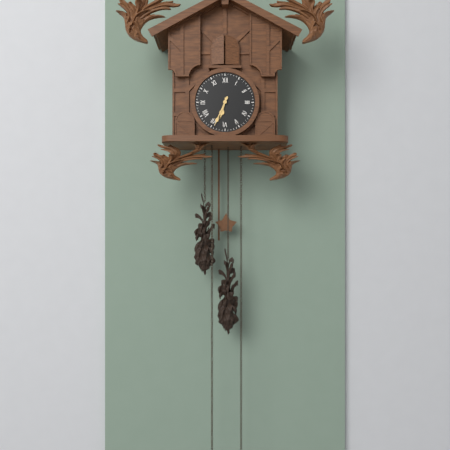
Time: {"hour": 6, "minute": 34}
